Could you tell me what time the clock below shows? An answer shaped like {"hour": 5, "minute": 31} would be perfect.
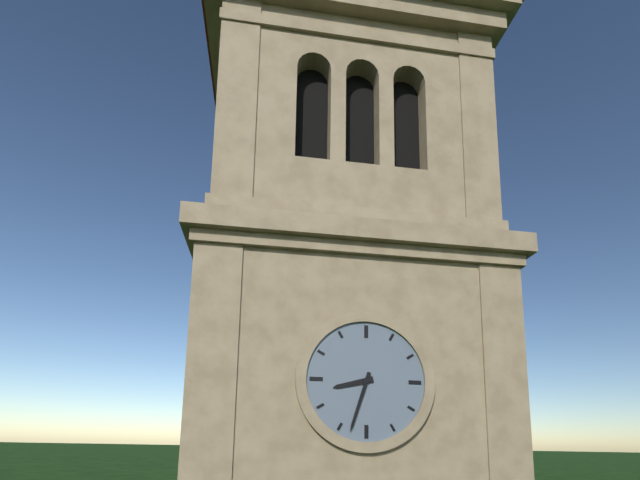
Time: {"hour": 8, "minute": 33}
